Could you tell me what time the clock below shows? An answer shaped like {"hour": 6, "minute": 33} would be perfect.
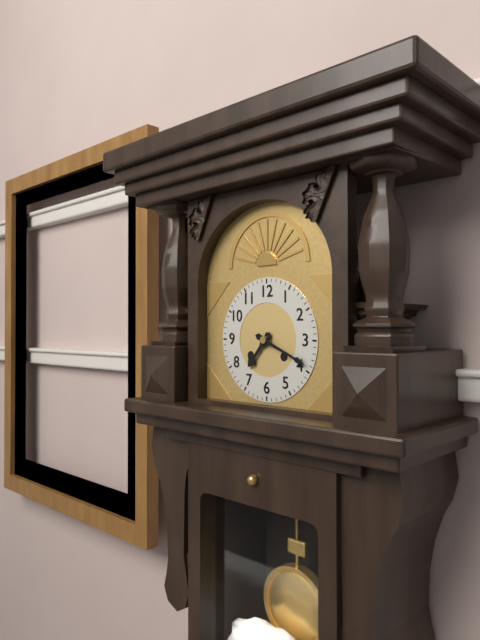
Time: {"hour": 7, "minute": 19}
